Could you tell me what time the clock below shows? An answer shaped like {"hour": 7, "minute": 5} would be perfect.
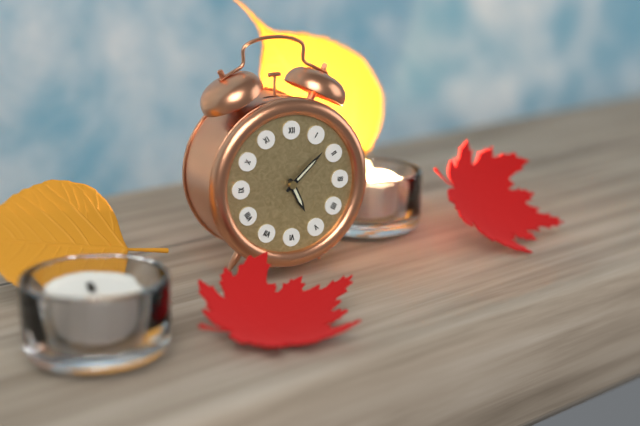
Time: {"hour": 5, "minute": 8}
